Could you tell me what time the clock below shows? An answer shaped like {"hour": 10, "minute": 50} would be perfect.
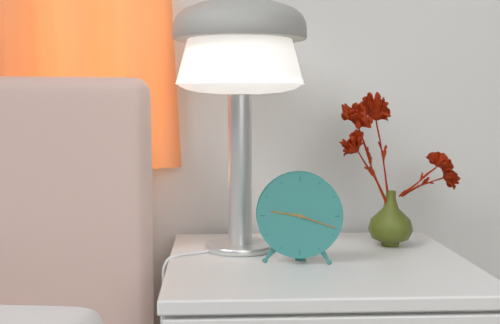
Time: {"hour": 9, "minute": 18}
